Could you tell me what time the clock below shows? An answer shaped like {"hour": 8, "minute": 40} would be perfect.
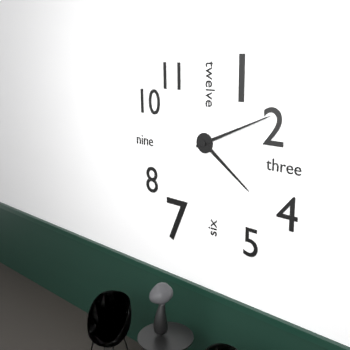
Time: {"hour": 4, "minute": 11}
